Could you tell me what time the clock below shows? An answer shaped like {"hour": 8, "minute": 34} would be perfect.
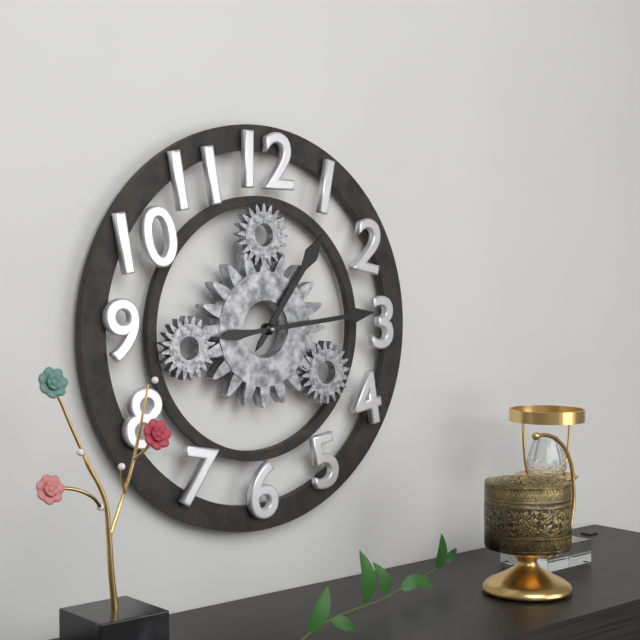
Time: {"hour": 1, "minute": 14}
